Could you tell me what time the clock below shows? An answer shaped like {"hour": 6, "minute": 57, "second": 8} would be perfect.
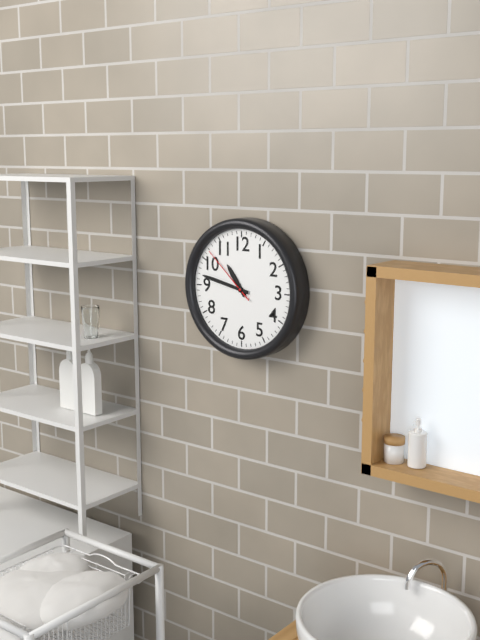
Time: {"hour": 10, "minute": 47, "second": 52}
